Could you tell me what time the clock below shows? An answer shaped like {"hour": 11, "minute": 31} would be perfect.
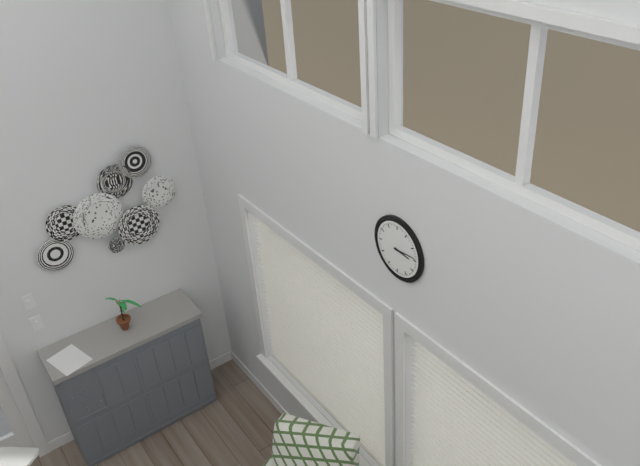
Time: {"hour": 3, "minute": 14}
